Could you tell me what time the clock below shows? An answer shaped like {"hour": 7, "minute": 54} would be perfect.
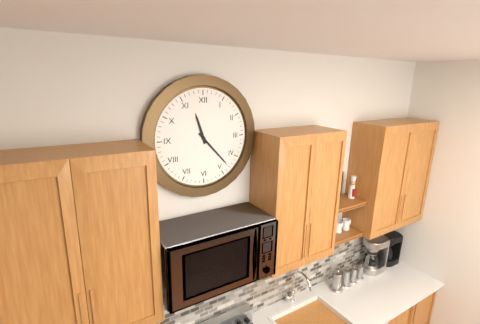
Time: {"hour": 11, "minute": 23}
